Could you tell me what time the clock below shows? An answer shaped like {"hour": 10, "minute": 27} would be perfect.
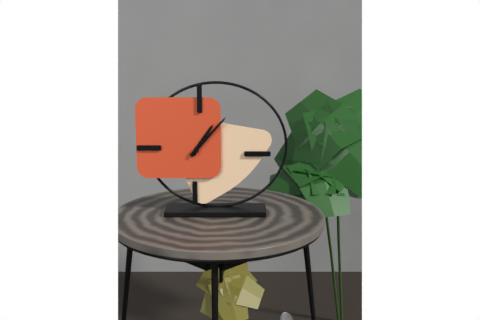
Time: {"hour": 1, "minute": 7}
